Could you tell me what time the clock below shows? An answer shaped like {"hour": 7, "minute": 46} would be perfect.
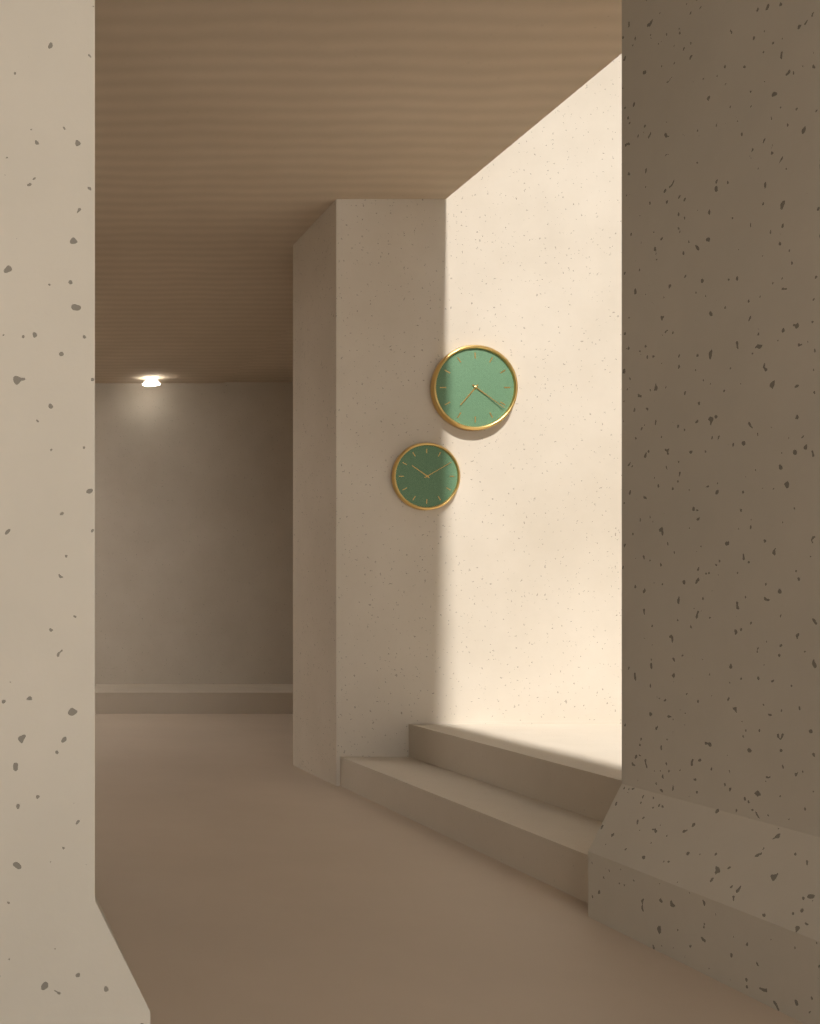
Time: {"hour": 7, "minute": 21}
